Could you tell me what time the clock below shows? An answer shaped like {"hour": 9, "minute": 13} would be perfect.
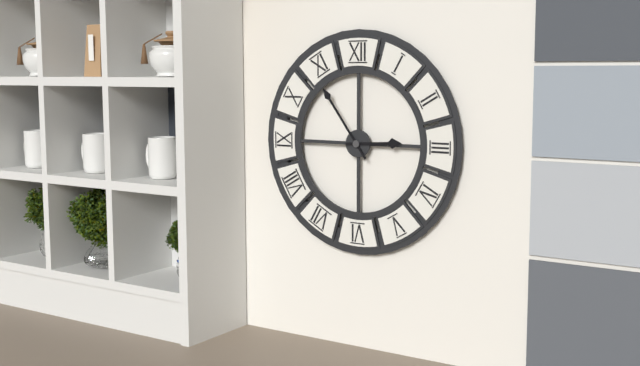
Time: {"hour": 2, "minute": 54}
